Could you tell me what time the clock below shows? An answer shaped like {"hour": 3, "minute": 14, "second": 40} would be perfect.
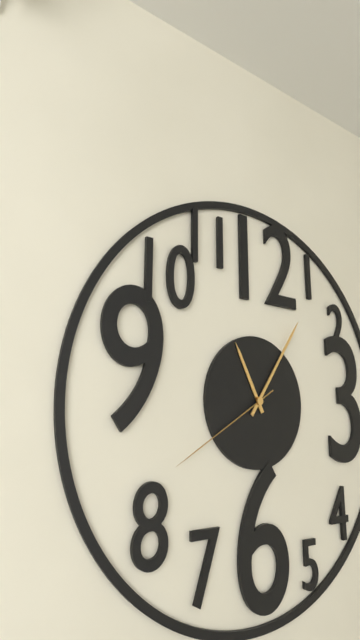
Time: {"hour": 11, "minute": 6, "second": 40}
